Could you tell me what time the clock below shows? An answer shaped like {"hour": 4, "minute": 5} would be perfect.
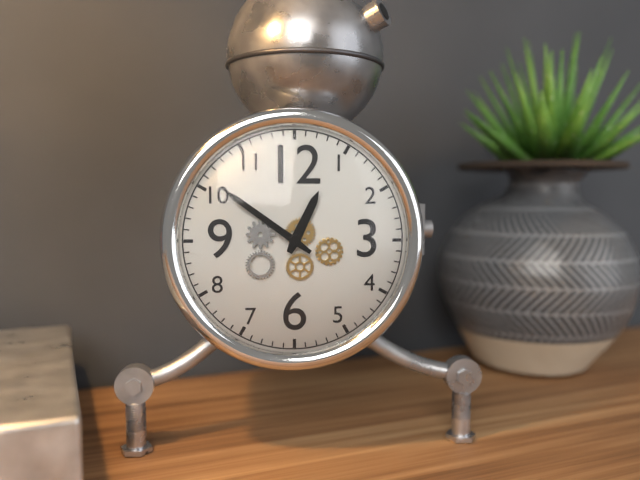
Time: {"hour": 12, "minute": 51}
